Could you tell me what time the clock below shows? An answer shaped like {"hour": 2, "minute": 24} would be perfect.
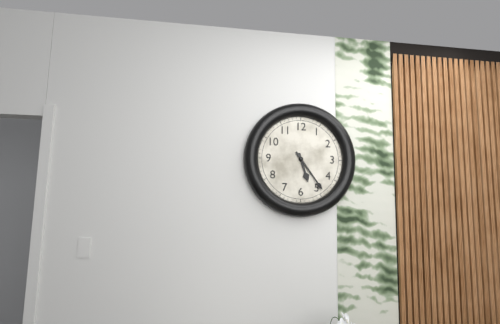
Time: {"hour": 5, "minute": 24}
